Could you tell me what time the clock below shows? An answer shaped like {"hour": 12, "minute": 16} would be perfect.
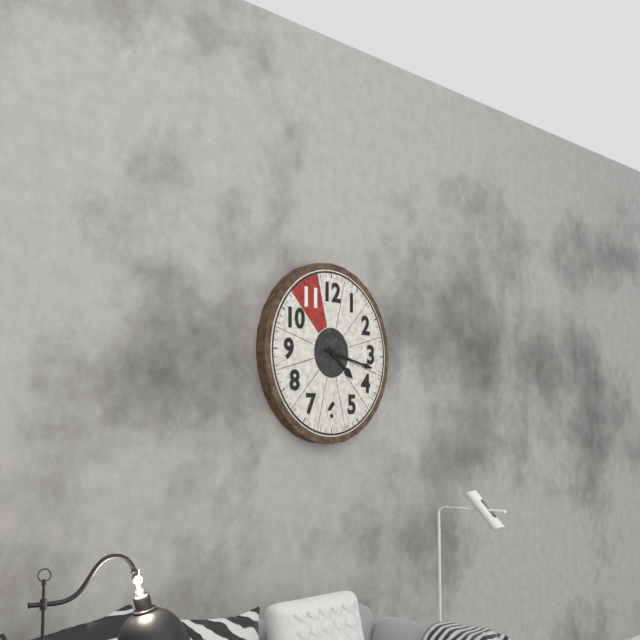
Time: {"hour": 4, "minute": 17}
